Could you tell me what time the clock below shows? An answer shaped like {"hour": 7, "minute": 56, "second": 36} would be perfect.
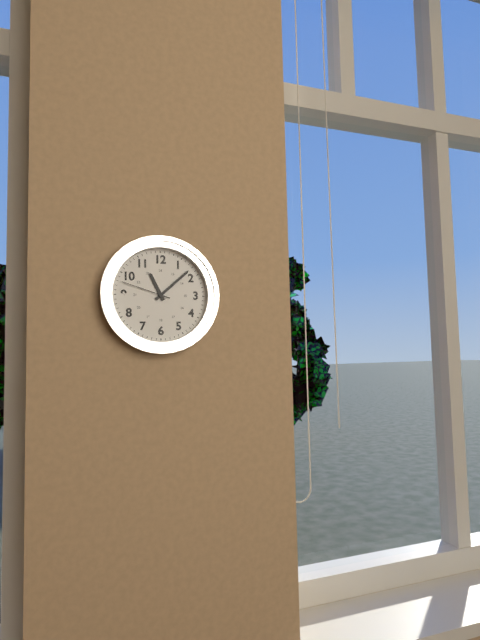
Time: {"hour": 11, "minute": 8, "second": 48}
